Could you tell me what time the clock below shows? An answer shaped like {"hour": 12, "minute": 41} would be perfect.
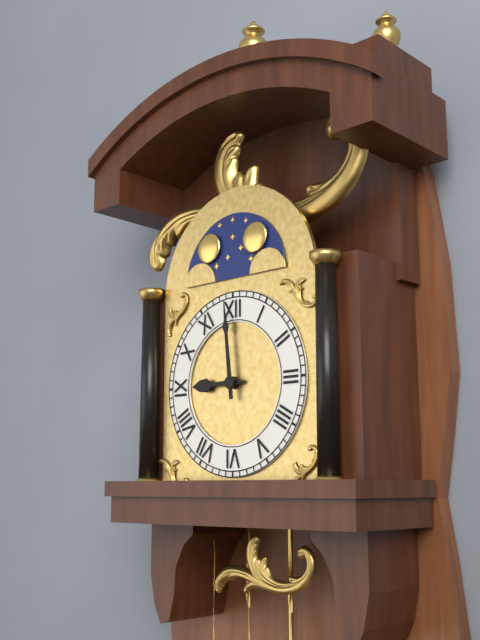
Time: {"hour": 8, "minute": 59}
